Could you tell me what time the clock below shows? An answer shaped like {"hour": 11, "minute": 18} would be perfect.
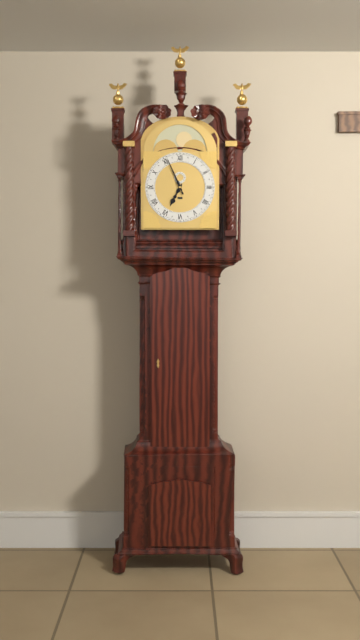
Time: {"hour": 6, "minute": 56}
